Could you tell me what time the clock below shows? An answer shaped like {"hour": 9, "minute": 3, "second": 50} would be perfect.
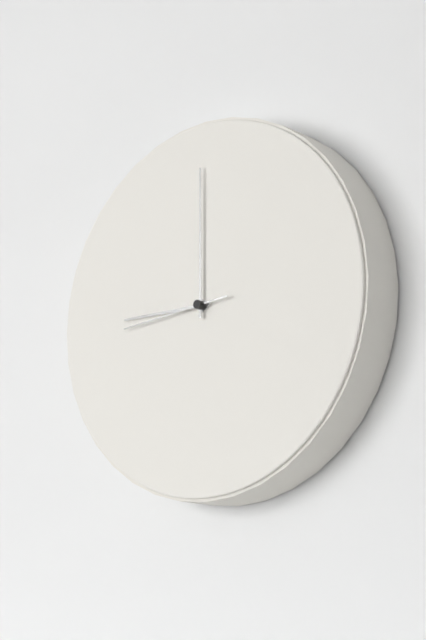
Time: {"hour": 9, "minute": 0, "second": 44}
